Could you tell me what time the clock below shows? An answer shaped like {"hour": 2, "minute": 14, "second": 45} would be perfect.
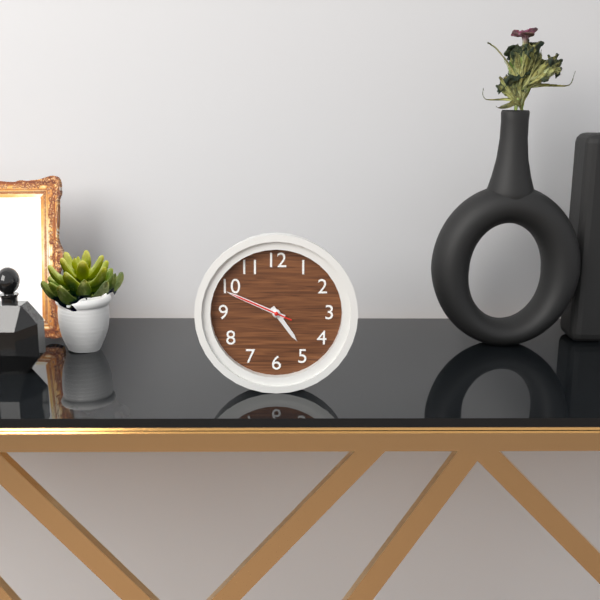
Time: {"hour": 4, "minute": 49, "second": 49}
